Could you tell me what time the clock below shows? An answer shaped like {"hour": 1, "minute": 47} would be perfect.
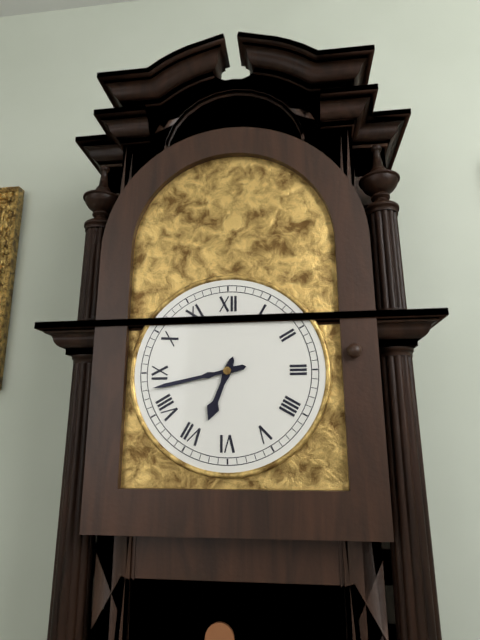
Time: {"hour": 6, "minute": 43}
